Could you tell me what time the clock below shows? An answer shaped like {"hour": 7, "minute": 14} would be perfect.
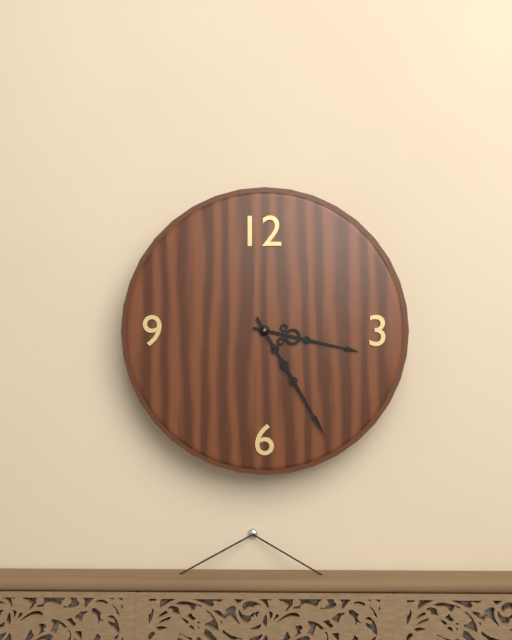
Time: {"hour": 3, "minute": 25}
